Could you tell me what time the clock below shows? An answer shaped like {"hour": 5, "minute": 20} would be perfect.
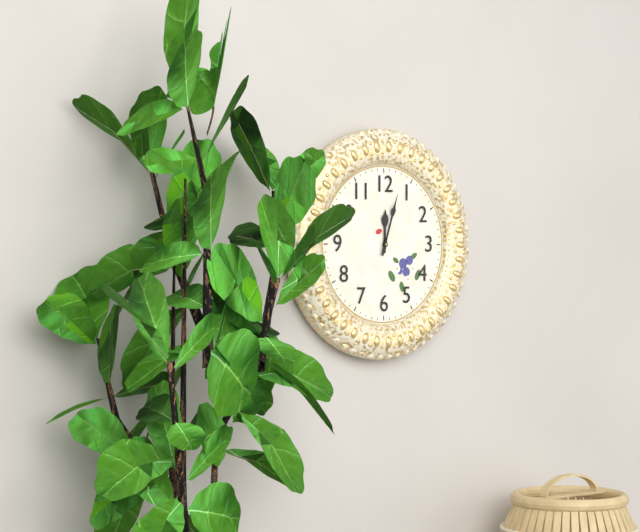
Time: {"hour": 12, "minute": 3}
